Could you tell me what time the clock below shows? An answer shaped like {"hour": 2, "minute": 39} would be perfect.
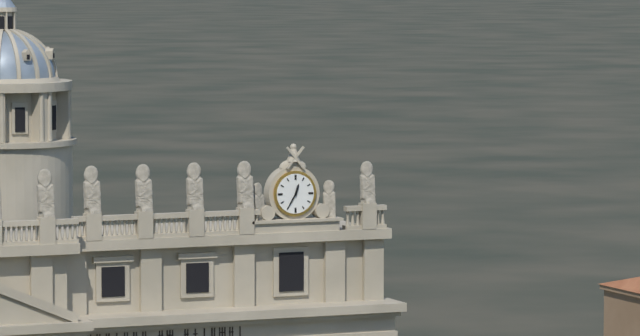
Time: {"hour": 12, "minute": 35}
